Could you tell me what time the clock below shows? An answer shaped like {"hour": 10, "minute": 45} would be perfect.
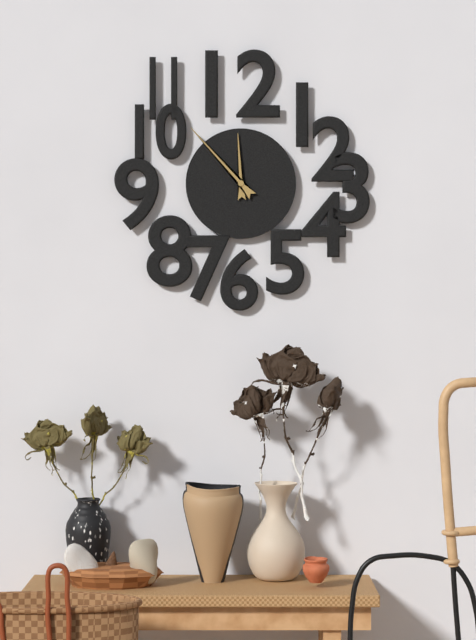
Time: {"hour": 11, "minute": 53}
